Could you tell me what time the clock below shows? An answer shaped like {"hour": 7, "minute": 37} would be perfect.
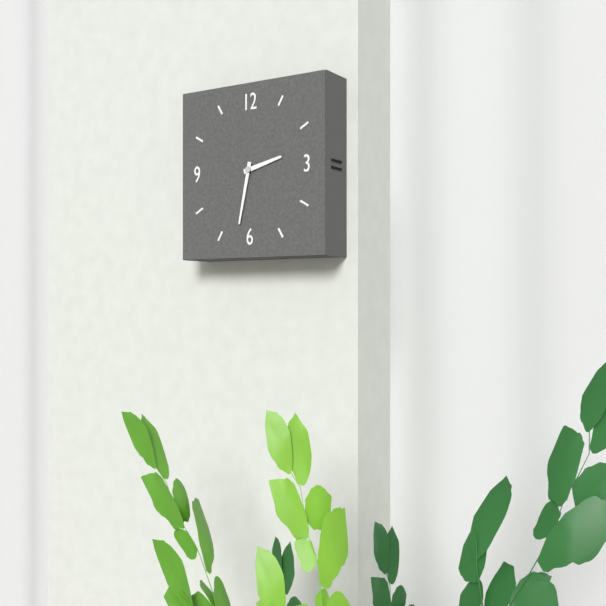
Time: {"hour": 2, "minute": 32}
